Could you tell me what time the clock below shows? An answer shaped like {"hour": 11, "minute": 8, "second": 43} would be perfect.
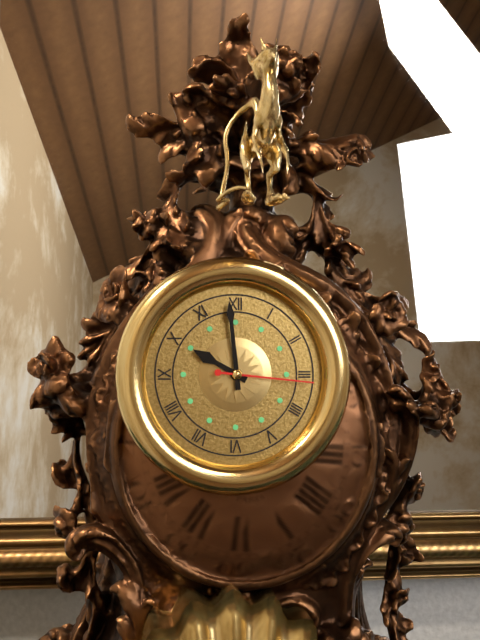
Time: {"hour": 9, "minute": 59, "second": 16}
